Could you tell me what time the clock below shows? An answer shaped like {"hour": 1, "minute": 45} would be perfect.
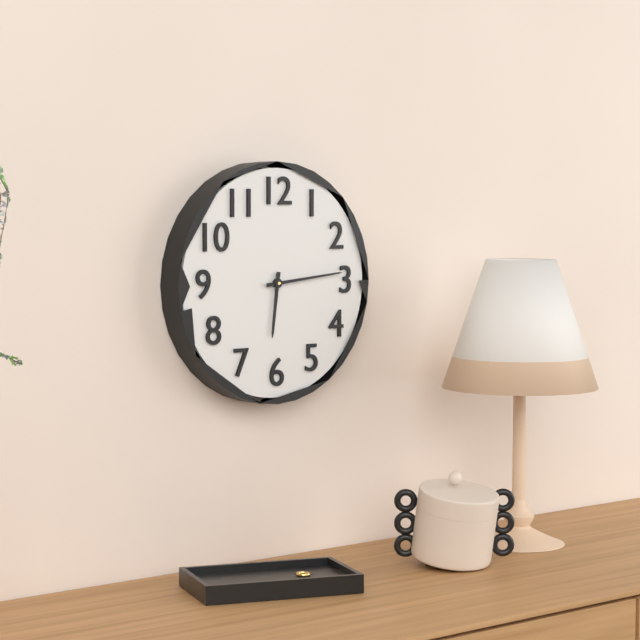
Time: {"hour": 6, "minute": 14}
